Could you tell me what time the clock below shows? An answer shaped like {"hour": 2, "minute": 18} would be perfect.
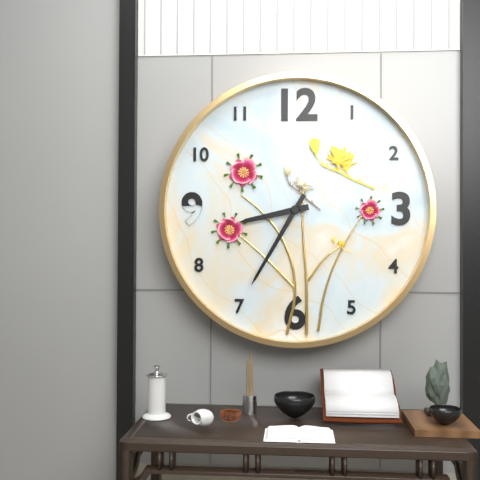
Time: {"hour": 8, "minute": 35}
